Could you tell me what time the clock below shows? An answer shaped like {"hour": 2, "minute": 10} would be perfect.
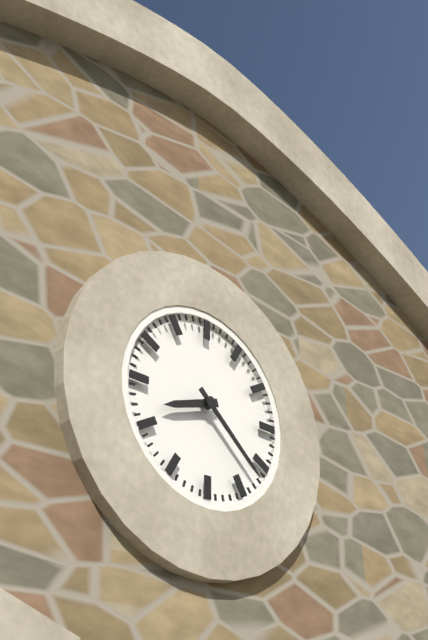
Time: {"hour": 8, "minute": 22}
